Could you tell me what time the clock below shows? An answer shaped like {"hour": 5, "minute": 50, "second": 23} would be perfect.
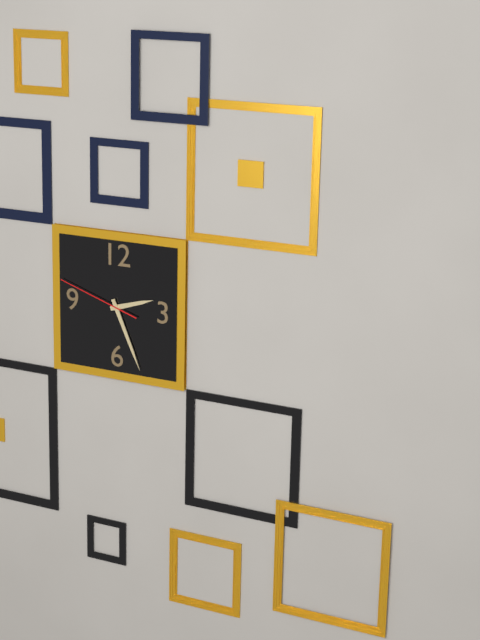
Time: {"hour": 2, "minute": 26, "second": 48}
